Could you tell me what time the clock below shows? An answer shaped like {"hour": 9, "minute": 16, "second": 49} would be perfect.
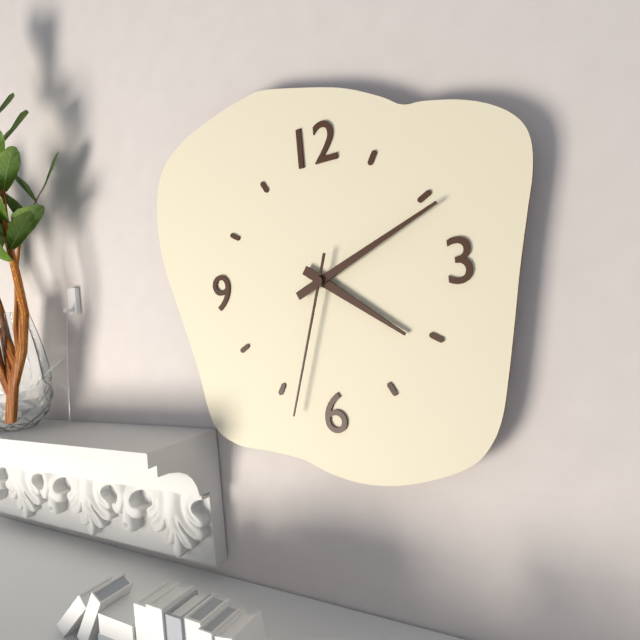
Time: {"hour": 4, "minute": 11, "second": 33}
